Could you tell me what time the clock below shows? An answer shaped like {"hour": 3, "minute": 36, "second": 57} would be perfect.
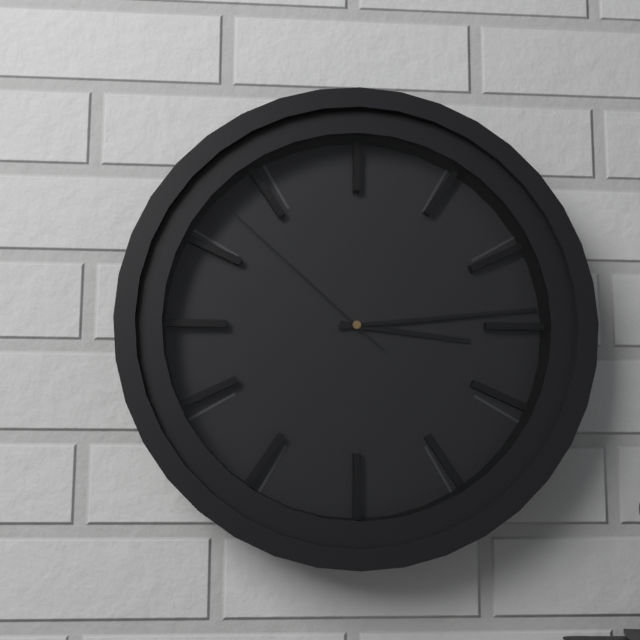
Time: {"hour": 3, "minute": 14, "second": 52}
